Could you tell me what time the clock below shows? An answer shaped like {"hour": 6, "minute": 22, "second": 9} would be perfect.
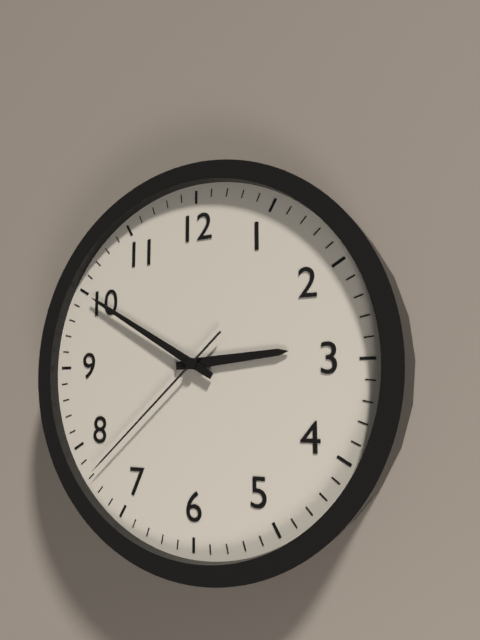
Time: {"hour": 2, "minute": 50, "second": 38}
